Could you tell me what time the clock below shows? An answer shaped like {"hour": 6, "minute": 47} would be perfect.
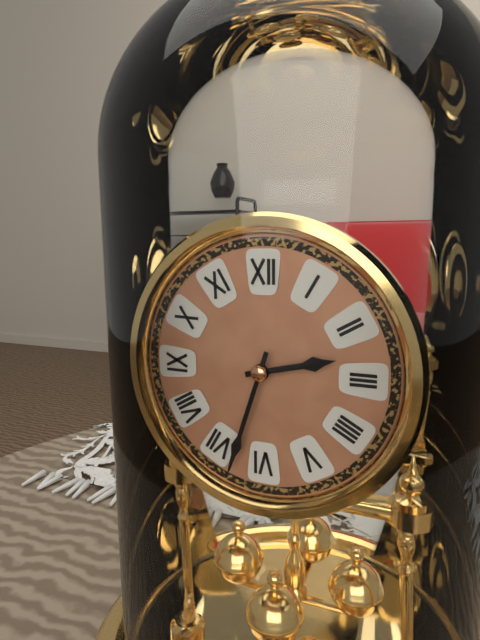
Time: {"hour": 2, "minute": 33}
